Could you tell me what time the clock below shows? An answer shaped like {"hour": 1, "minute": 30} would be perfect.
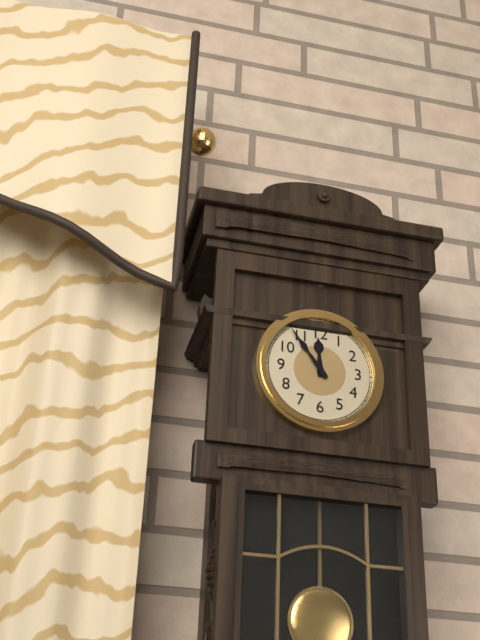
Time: {"hour": 11, "minute": 54}
